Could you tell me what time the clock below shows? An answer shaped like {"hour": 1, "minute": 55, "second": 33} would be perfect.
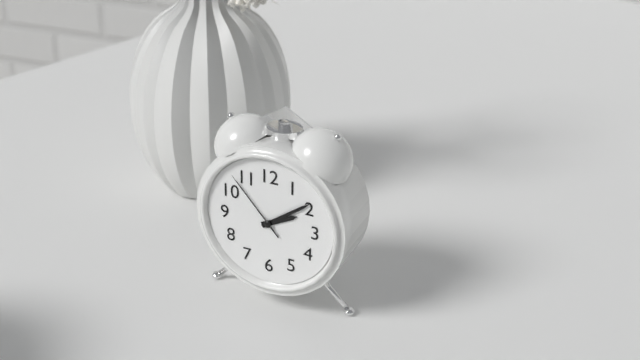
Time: {"hour": 2, "minute": 9, "second": 53}
